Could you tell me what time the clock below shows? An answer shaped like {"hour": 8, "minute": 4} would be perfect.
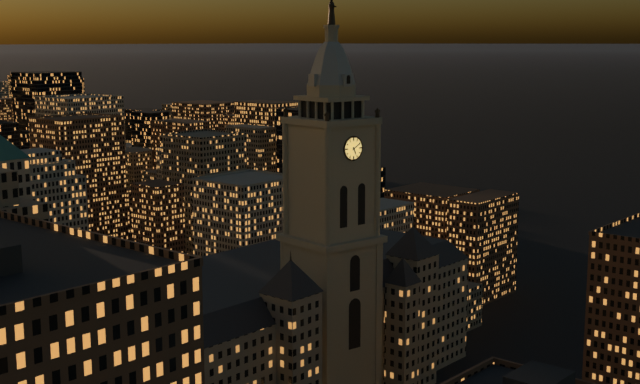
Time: {"hour": 5, "minute": 10}
